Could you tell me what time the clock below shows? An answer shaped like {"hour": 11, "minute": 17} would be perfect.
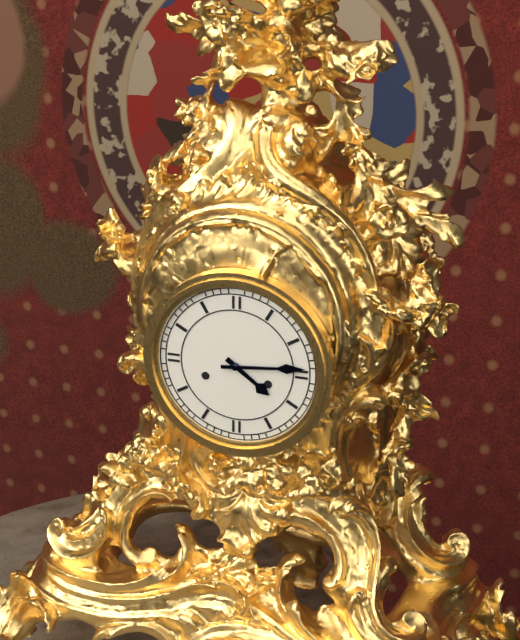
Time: {"hour": 4, "minute": 14}
